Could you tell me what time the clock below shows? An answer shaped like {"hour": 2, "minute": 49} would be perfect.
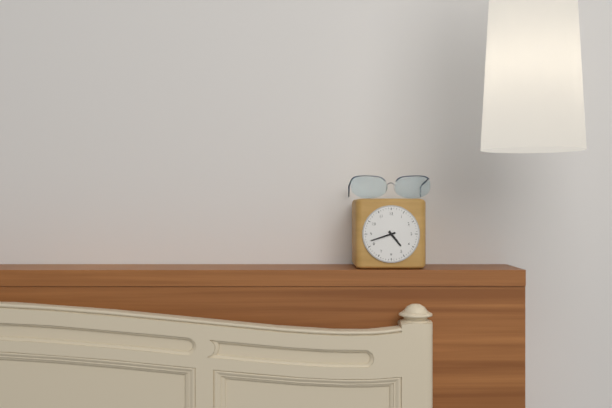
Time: {"hour": 4, "minute": 42}
